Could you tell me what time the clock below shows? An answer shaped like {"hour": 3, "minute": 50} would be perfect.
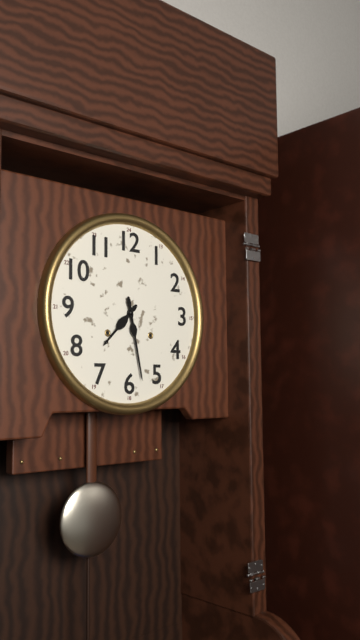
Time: {"hour": 7, "minute": 28}
